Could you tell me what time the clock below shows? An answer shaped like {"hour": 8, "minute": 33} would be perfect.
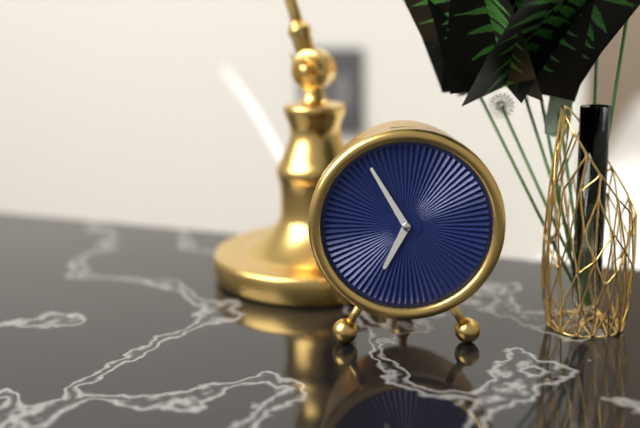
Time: {"hour": 6, "minute": 55}
